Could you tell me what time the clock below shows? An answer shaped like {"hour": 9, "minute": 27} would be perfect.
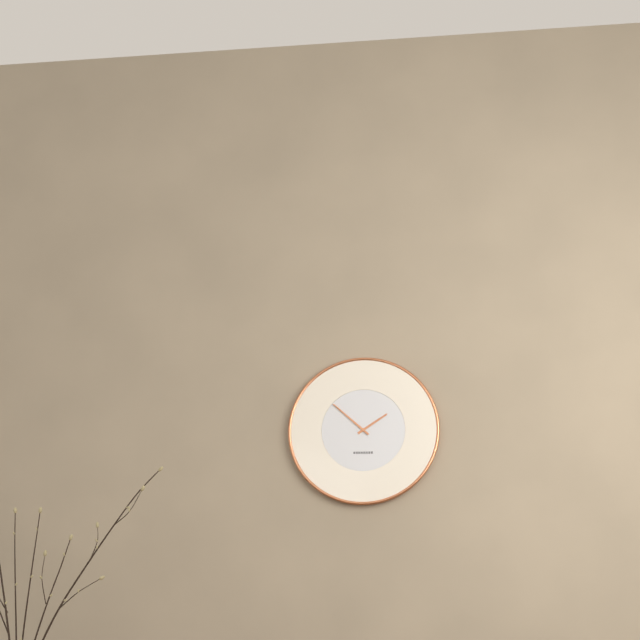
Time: {"hour": 1, "minute": 52}
